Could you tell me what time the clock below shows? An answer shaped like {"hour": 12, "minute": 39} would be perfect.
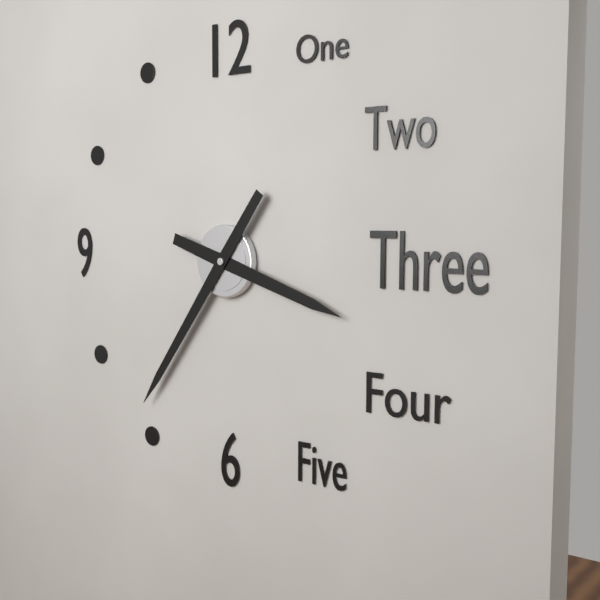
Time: {"hour": 3, "minute": 36}
